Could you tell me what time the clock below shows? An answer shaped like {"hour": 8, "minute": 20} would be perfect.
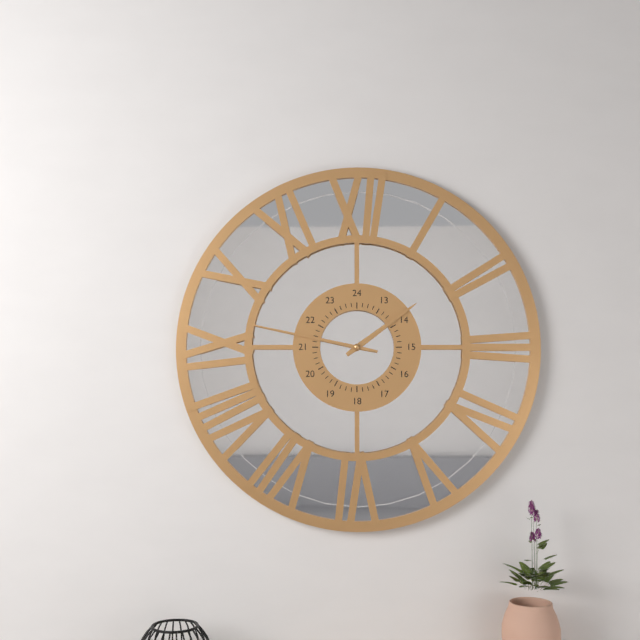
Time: {"hour": 1, "minute": 47}
